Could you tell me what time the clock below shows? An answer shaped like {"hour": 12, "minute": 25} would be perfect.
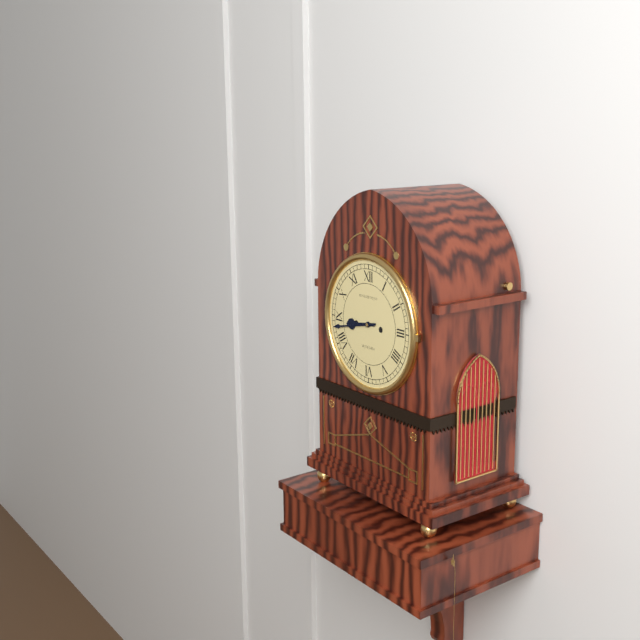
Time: {"hour": 8, "minute": 43}
